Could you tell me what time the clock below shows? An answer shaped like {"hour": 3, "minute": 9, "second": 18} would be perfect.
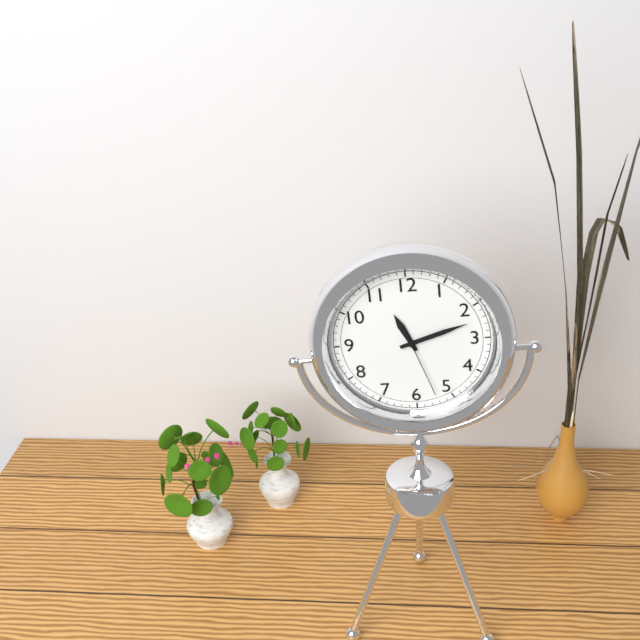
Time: {"hour": 11, "minute": 12, "second": 27}
